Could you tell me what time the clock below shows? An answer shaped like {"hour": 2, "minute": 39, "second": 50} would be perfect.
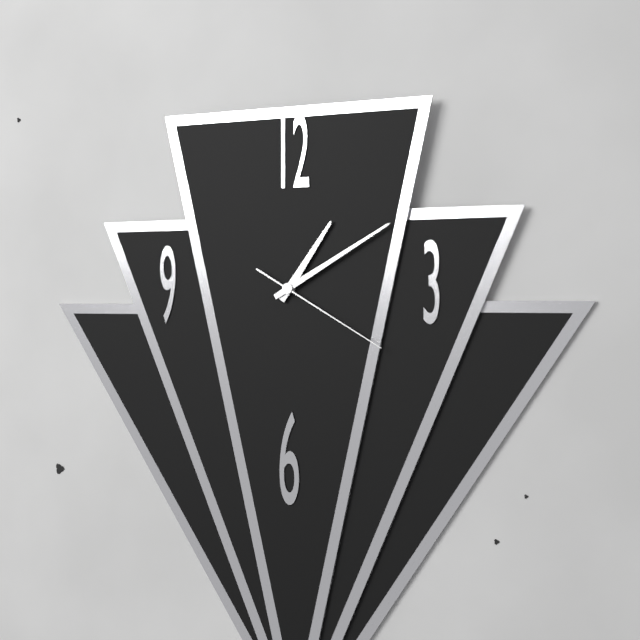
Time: {"hour": 1, "minute": 10, "second": 20}
